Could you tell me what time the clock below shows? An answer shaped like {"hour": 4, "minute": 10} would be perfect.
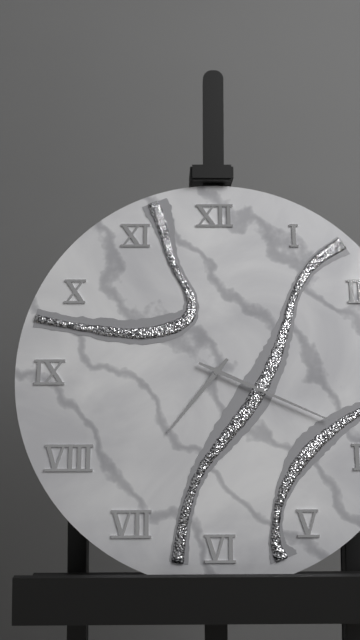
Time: {"hour": 7, "minute": 19}
